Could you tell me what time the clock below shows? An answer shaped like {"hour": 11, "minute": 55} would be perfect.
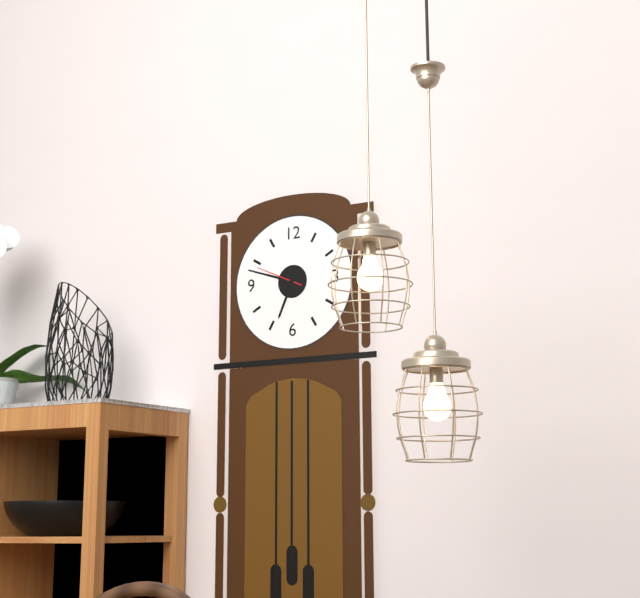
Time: {"hour": 6, "minute": 48}
